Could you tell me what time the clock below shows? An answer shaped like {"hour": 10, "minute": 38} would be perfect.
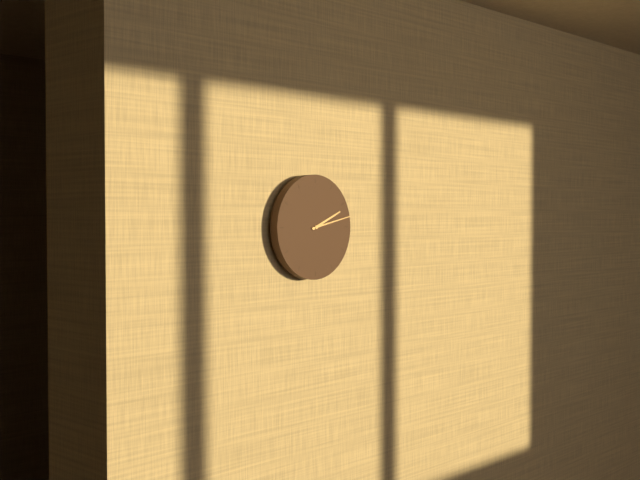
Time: {"hour": 2, "minute": 13}
